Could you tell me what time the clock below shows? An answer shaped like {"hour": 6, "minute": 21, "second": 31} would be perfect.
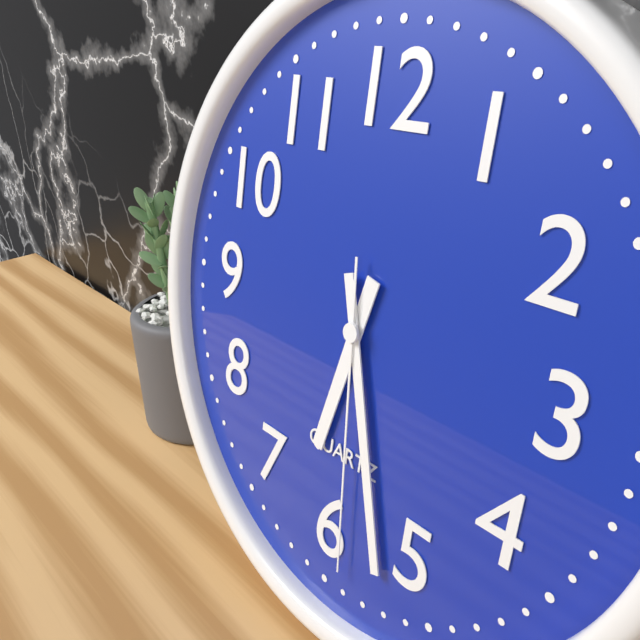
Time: {"hour": 6, "minute": 27, "second": 29}
